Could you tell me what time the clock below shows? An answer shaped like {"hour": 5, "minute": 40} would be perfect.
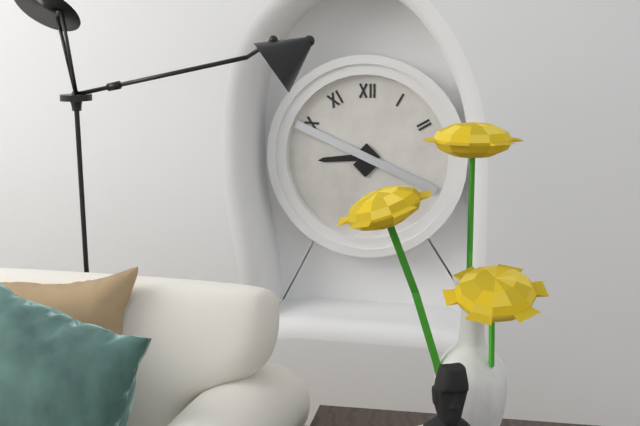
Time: {"hour": 8, "minute": 49}
